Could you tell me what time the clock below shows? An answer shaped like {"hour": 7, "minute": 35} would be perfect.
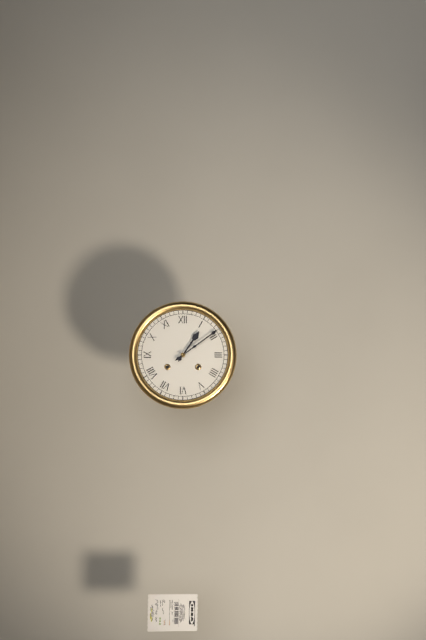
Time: {"hour": 1, "minute": 9}
